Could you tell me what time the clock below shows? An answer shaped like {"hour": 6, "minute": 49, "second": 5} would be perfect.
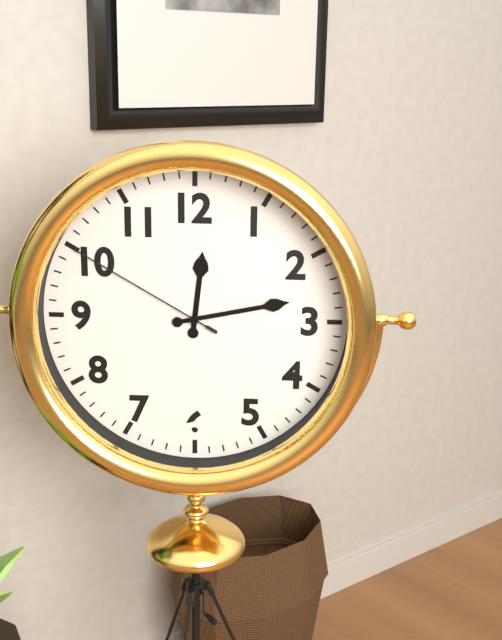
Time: {"hour": 12, "minute": 13, "second": 50}
